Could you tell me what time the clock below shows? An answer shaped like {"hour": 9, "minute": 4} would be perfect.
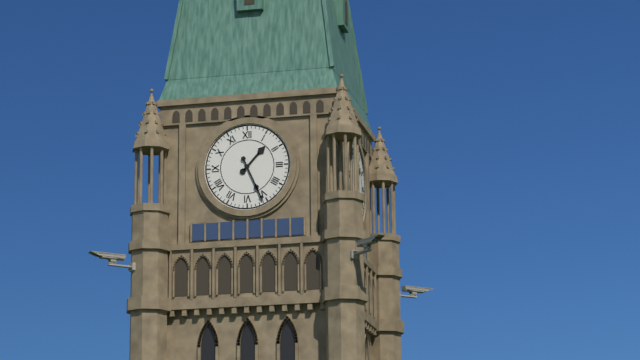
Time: {"hour": 1, "minute": 26}
